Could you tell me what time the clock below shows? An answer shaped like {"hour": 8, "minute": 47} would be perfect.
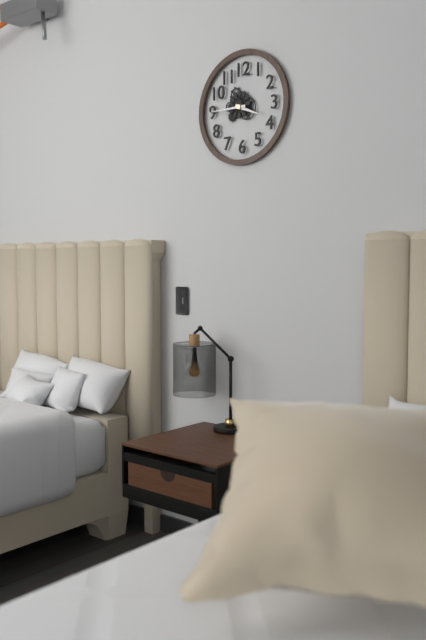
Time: {"hour": 3, "minute": 45}
